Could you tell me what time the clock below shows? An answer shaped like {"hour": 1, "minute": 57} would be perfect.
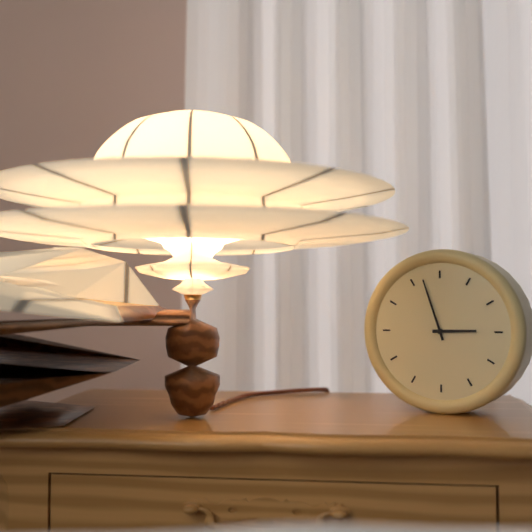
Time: {"hour": 2, "minute": 57}
